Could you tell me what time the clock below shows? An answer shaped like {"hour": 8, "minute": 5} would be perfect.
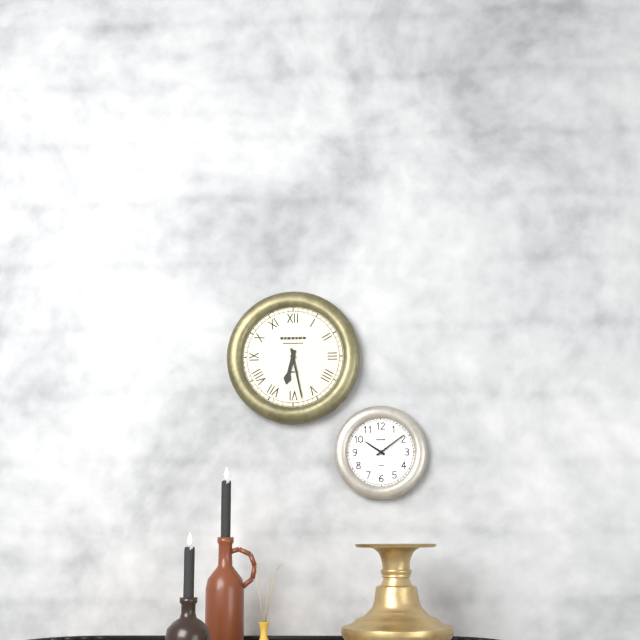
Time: {"hour": 6, "minute": 28}
